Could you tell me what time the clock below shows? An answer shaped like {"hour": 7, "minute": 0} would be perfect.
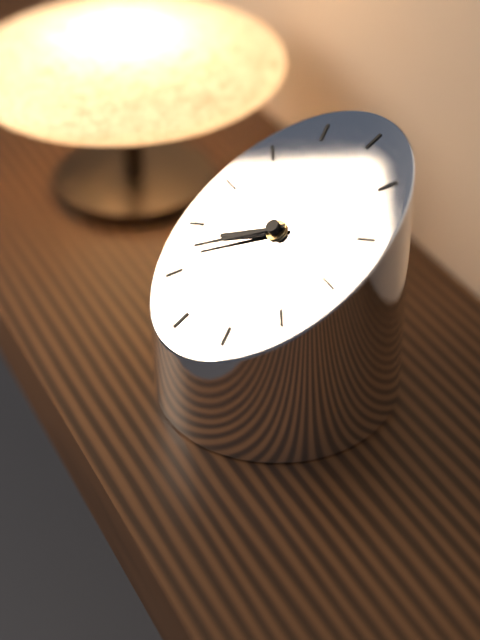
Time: {"hour": 7, "minute": 37}
